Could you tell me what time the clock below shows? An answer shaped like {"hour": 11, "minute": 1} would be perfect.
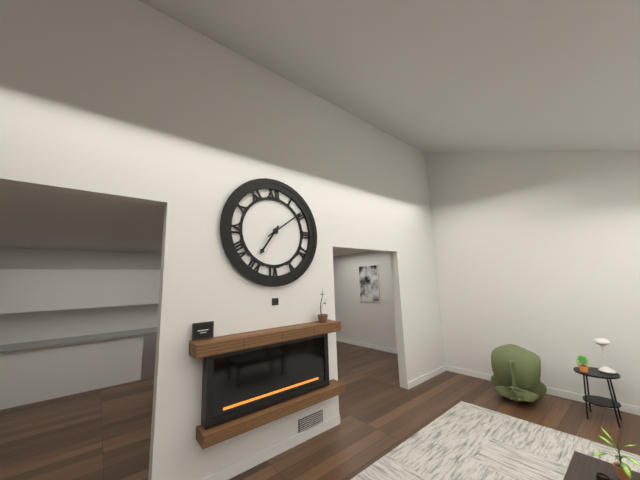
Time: {"hour": 7, "minute": 9}
